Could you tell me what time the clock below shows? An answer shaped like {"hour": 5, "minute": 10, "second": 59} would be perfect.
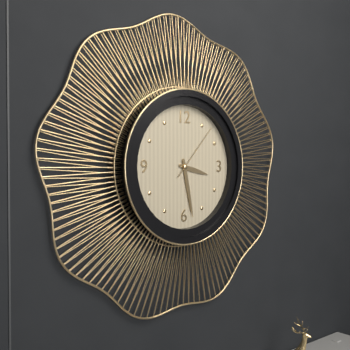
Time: {"hour": 3, "minute": 28, "second": 7}
